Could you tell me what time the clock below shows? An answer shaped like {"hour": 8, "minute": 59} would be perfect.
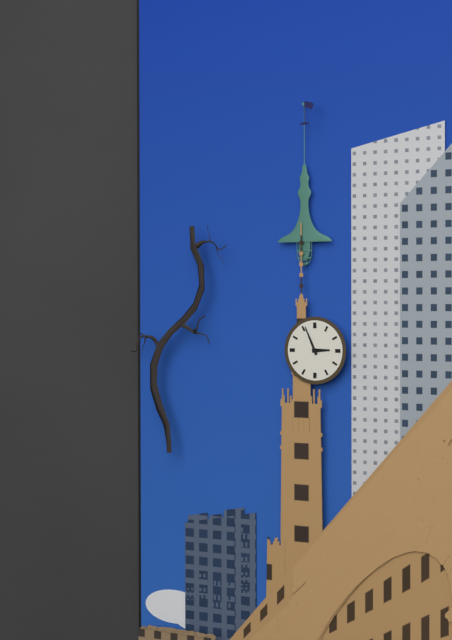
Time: {"hour": 2, "minute": 56}
